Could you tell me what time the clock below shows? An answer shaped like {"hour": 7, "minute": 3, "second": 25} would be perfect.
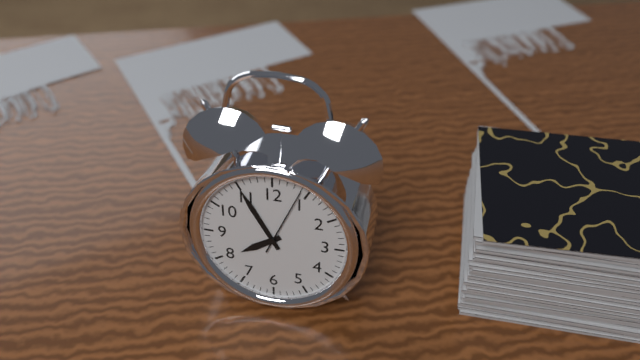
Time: {"hour": 7, "minute": 55, "second": 4}
